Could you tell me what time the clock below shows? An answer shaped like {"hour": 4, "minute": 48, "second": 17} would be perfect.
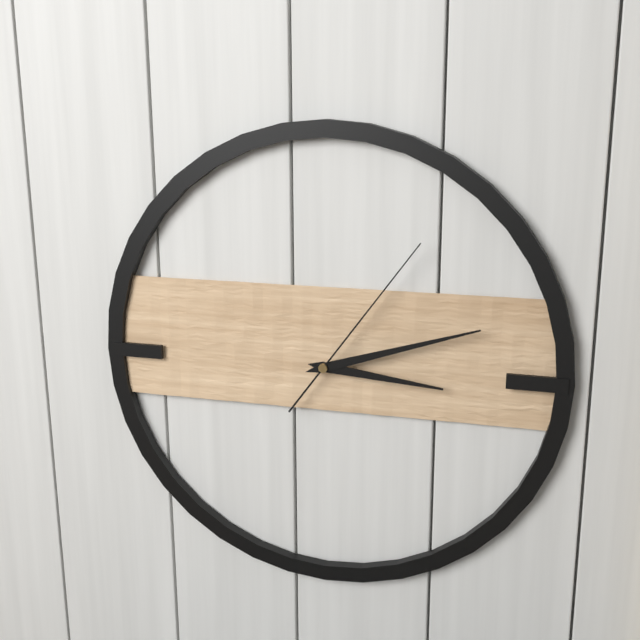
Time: {"hour": 3, "minute": 12, "second": 6}
